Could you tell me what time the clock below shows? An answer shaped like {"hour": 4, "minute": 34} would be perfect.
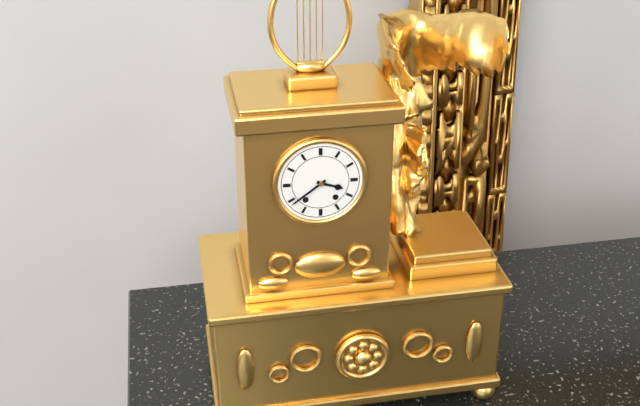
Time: {"hour": 3, "minute": 39}
